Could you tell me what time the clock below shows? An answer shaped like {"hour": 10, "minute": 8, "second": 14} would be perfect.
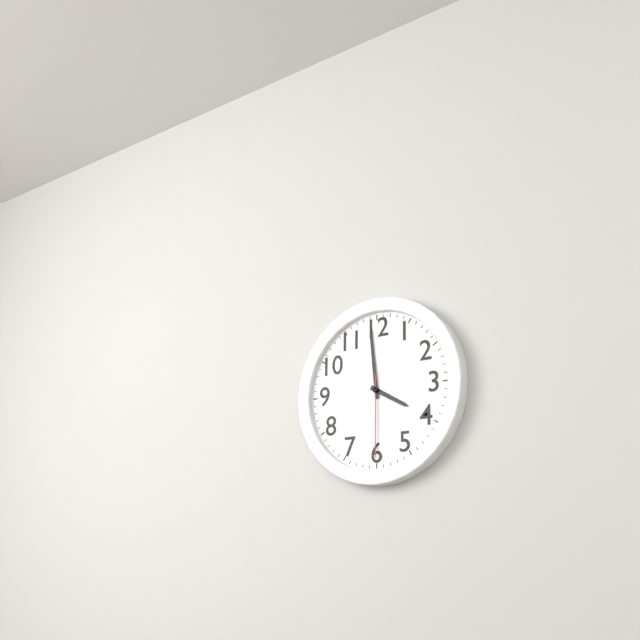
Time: {"hour": 3, "minute": 59, "second": 30}
